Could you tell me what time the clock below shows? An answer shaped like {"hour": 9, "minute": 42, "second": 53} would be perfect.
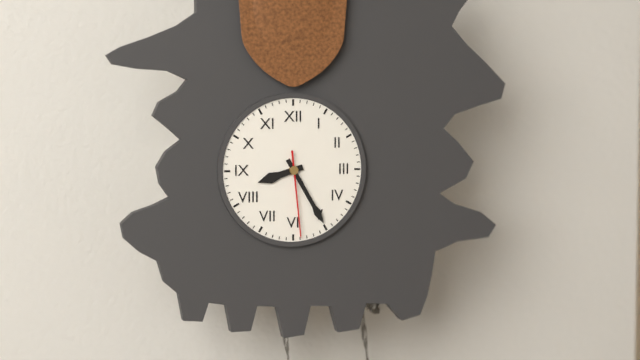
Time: {"hour": 8, "minute": 25, "second": 29}
